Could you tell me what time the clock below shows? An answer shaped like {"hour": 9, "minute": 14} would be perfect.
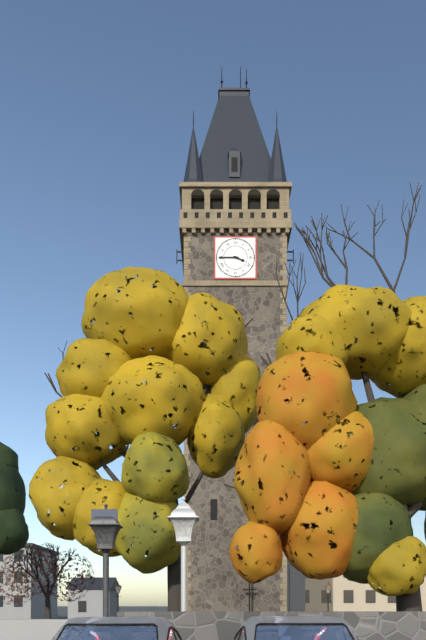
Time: {"hour": 3, "minute": 45}
